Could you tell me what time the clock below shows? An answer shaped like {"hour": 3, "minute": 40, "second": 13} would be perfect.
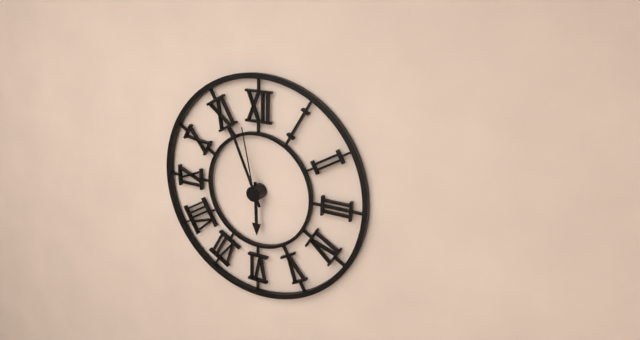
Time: {"hour": 5, "minute": 56, "second": 58}
